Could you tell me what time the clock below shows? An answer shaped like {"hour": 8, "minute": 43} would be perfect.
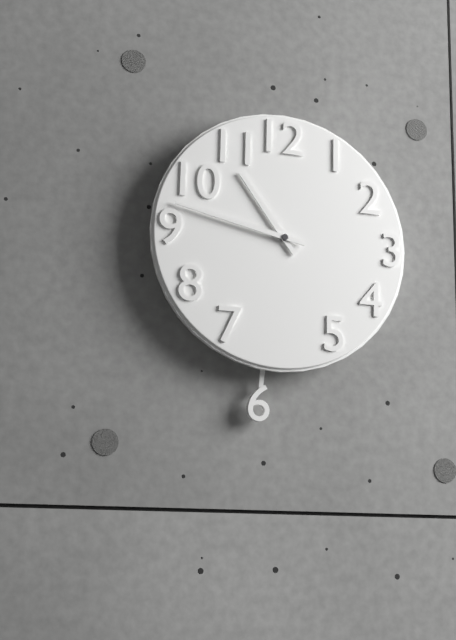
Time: {"hour": 10, "minute": 47}
